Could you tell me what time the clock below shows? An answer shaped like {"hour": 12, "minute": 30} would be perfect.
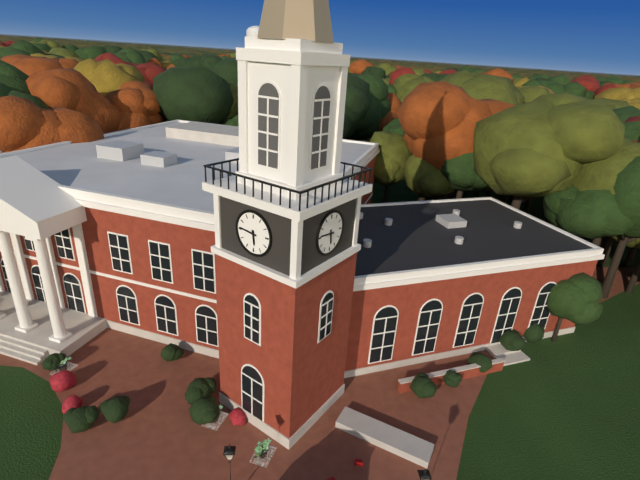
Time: {"hour": 5, "minute": 46}
